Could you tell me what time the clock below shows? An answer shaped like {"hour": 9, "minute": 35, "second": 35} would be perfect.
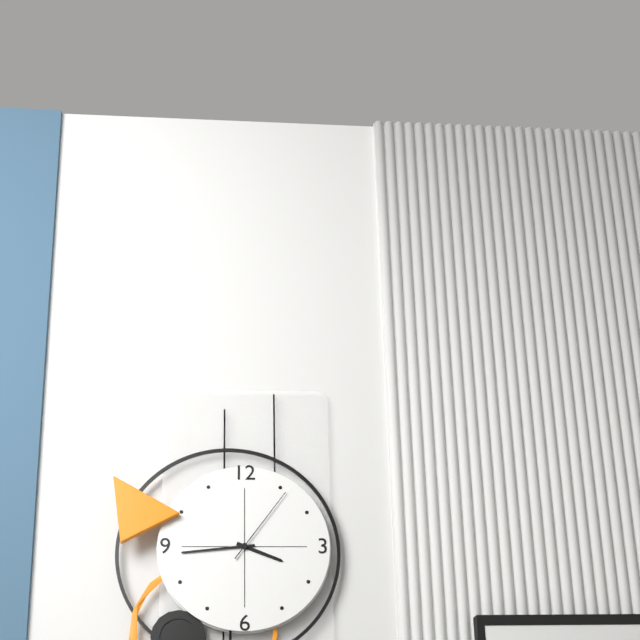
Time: {"hour": 3, "minute": 44, "second": 6}
